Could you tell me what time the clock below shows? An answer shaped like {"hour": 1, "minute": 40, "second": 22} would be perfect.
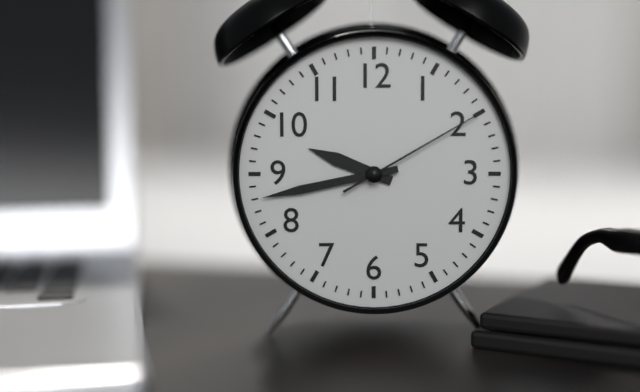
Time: {"hour": 9, "minute": 43, "second": 10}
